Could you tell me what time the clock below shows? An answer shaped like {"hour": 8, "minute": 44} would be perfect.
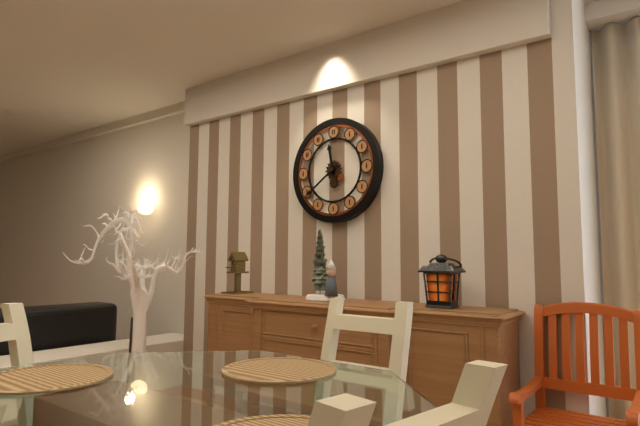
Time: {"hour": 11, "minute": 39}
